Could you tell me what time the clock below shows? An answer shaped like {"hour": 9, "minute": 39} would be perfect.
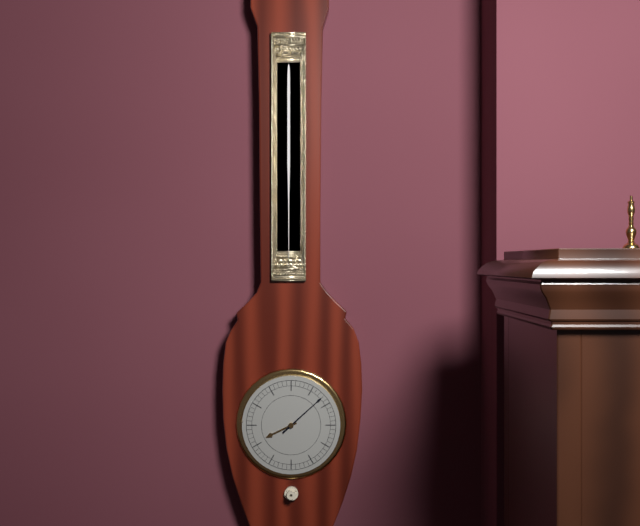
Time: {"hour": 8, "minute": 8}
